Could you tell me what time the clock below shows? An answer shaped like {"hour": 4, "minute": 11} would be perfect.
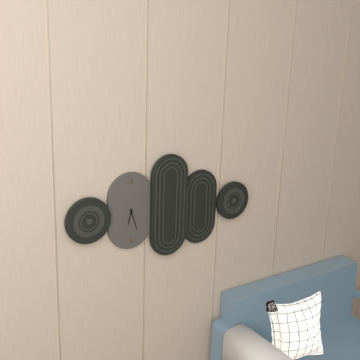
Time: {"hour": 6, "minute": 27}
